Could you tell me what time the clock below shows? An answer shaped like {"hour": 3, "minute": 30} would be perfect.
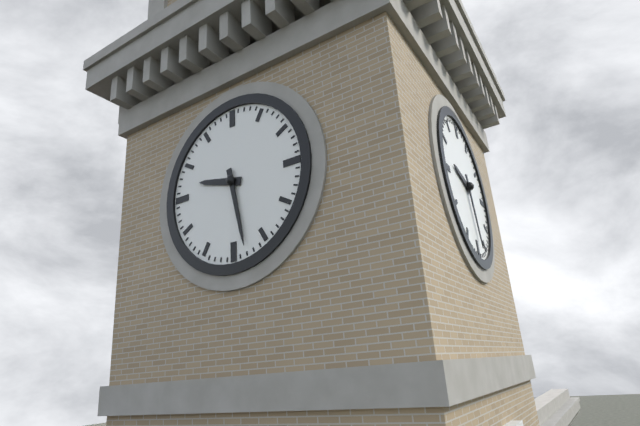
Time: {"hour": 9, "minute": 28}
